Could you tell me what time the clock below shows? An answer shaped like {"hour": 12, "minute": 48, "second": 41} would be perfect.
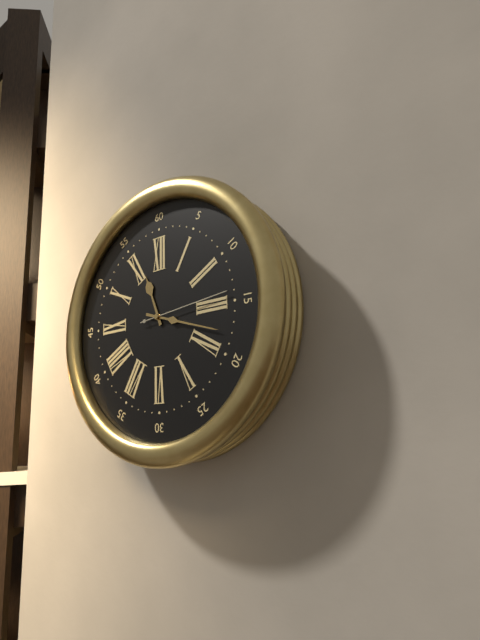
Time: {"hour": 11, "minute": 18, "second": 14}
